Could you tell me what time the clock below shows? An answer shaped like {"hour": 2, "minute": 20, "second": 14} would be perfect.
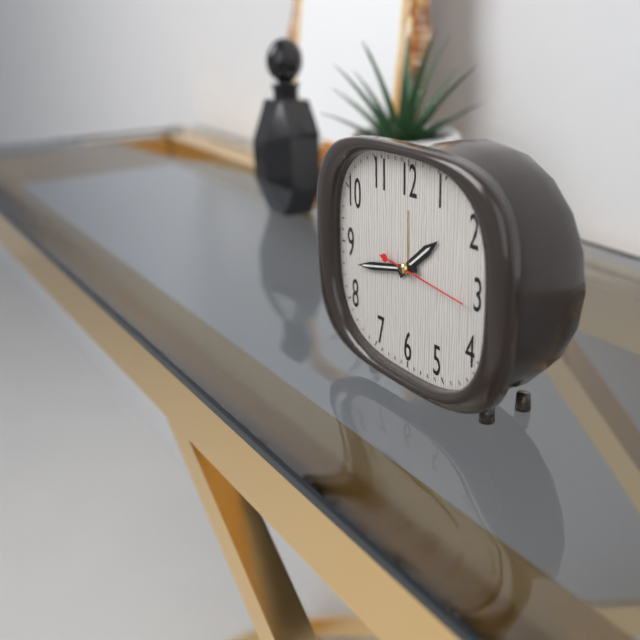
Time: {"hour": 1, "minute": 43, "second": 16}
